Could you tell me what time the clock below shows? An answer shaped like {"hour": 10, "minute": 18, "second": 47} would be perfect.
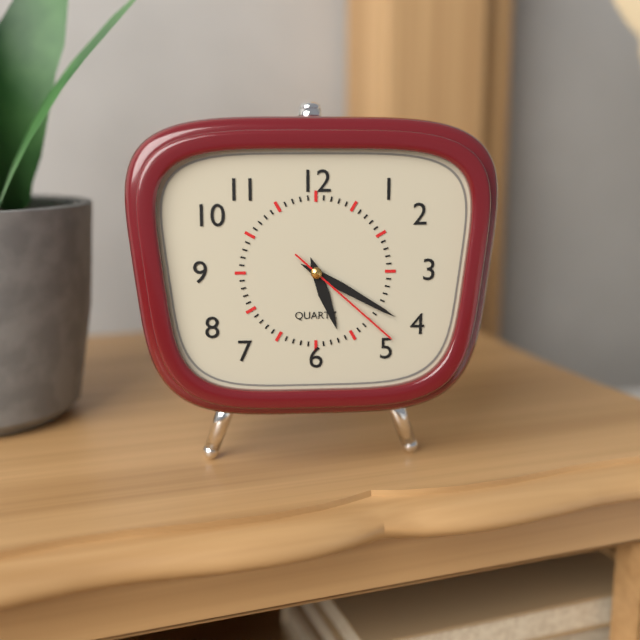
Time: {"hour": 5, "minute": 20, "second": 22}
